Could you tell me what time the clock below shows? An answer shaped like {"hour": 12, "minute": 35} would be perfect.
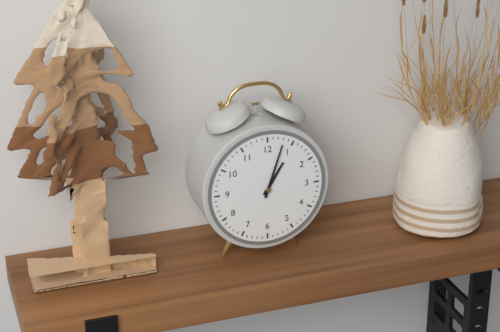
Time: {"hour": 1, "minute": 3}
